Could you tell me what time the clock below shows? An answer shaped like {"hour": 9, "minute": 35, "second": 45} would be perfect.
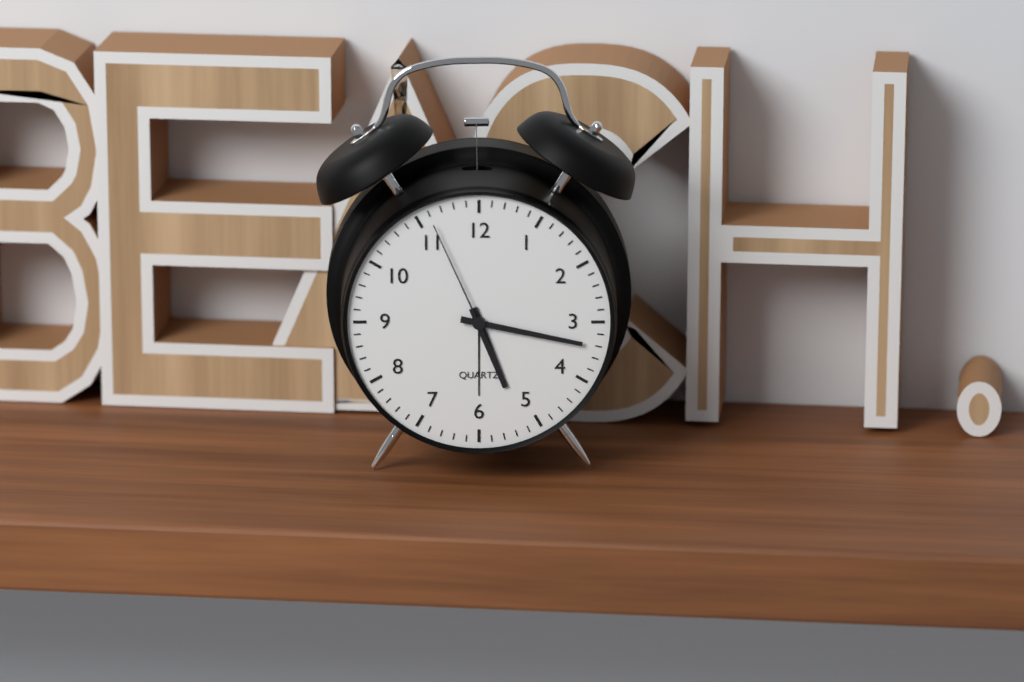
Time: {"hour": 5, "minute": 17, "second": 56}
